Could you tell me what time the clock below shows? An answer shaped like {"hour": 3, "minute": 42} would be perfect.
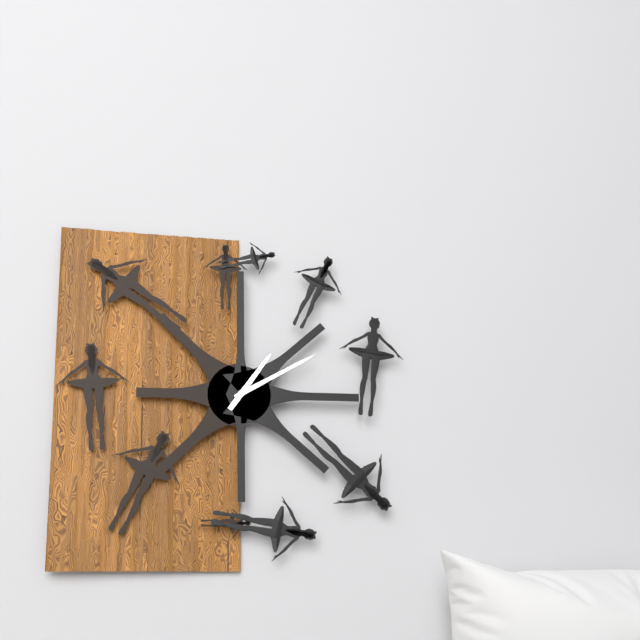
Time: {"hour": 1, "minute": 10}
